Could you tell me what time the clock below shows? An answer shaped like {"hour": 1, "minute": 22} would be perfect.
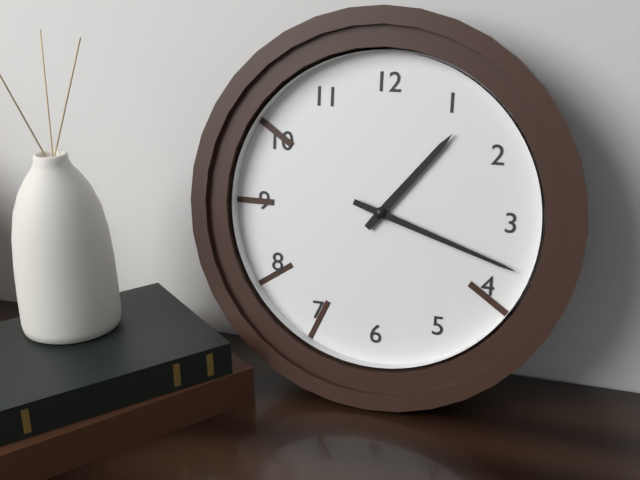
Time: {"hour": 1, "minute": 18}
